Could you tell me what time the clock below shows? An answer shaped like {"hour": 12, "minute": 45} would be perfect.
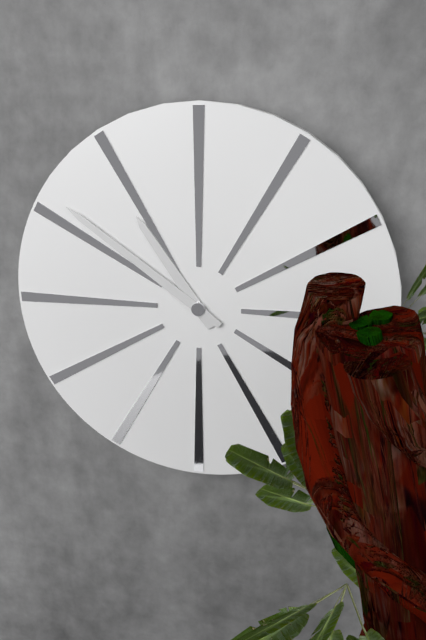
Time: {"hour": 10, "minute": 51}
